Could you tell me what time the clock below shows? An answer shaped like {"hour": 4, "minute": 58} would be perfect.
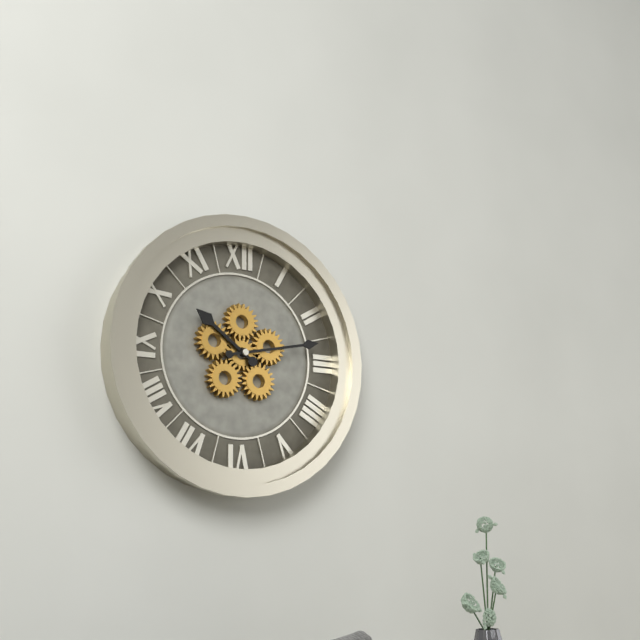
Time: {"hour": 10, "minute": 13}
